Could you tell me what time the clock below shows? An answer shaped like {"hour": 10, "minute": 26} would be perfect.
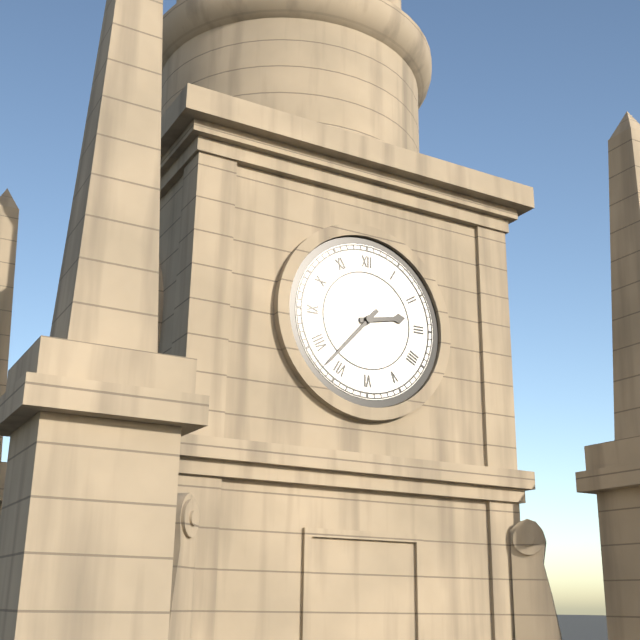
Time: {"hour": 2, "minute": 37}
